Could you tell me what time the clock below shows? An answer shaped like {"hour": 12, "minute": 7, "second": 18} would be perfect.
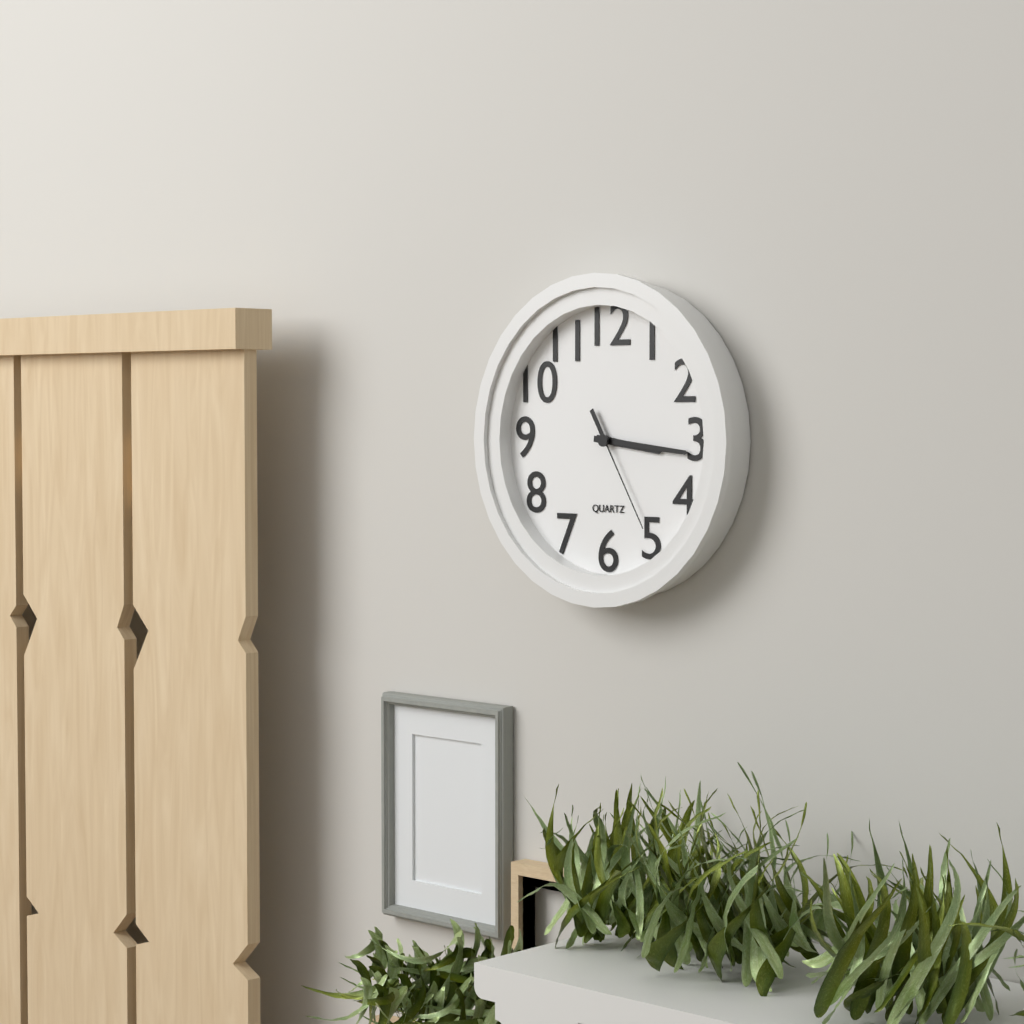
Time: {"hour": 3, "minute": 16, "second": 25}
